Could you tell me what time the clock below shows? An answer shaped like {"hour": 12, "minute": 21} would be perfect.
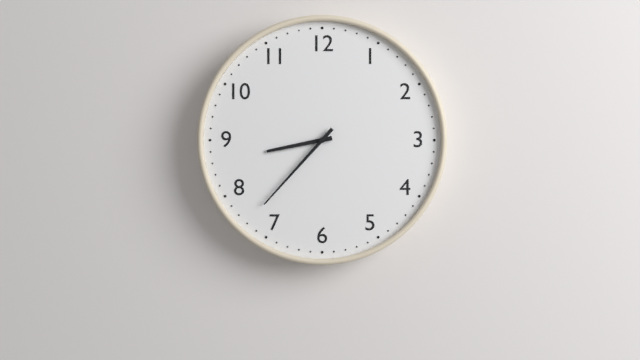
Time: {"hour": 8, "minute": 37}
